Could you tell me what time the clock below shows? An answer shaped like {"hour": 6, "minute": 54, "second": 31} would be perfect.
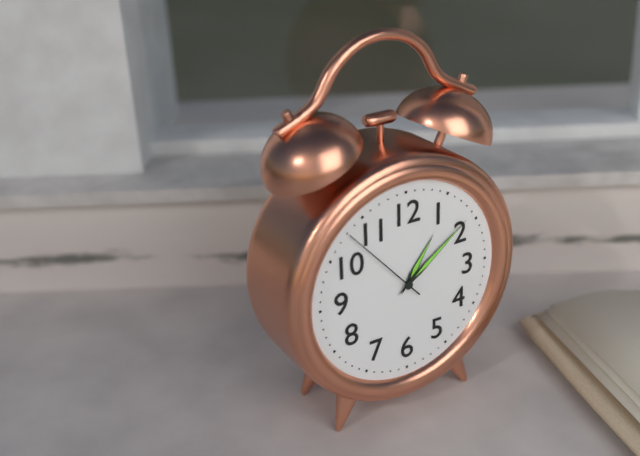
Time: {"hour": 1, "minute": 9, "second": 53}
